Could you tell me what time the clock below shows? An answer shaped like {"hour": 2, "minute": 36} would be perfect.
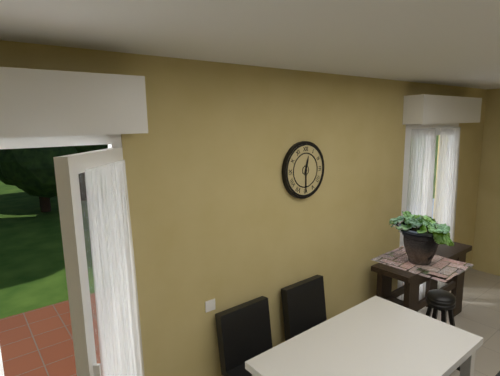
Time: {"hour": 12, "minute": 30}
